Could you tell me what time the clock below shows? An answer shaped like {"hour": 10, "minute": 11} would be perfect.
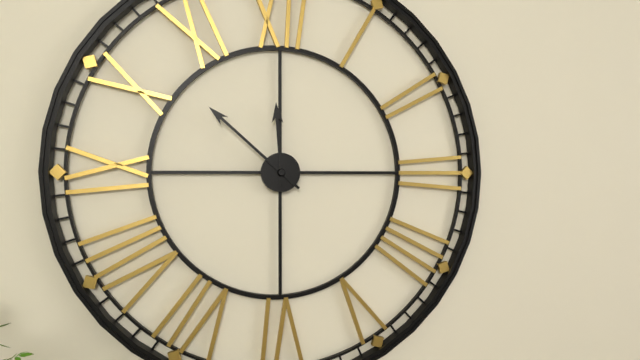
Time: {"hour": 11, "minute": 52}
